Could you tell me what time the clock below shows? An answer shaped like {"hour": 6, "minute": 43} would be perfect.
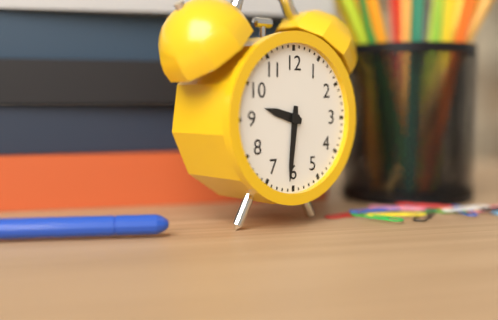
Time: {"hour": 9, "minute": 31}
